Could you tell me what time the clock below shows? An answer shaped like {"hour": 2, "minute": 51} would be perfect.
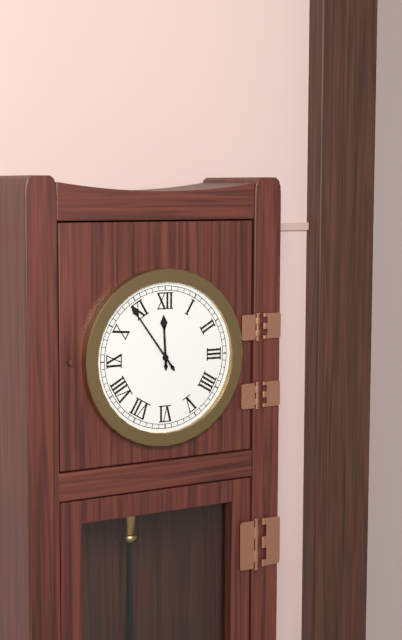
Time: {"hour": 11, "minute": 54}
